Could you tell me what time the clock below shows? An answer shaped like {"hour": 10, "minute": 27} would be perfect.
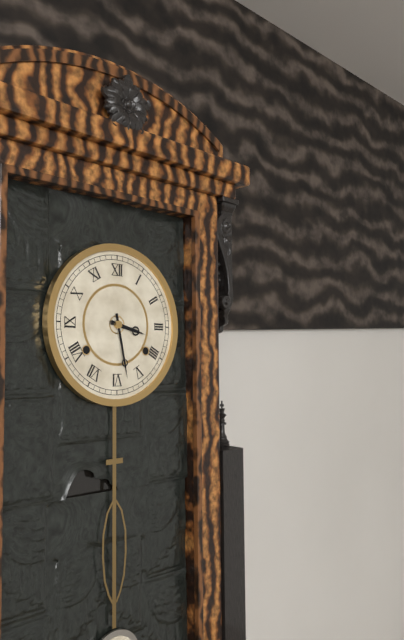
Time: {"hour": 3, "minute": 28}
